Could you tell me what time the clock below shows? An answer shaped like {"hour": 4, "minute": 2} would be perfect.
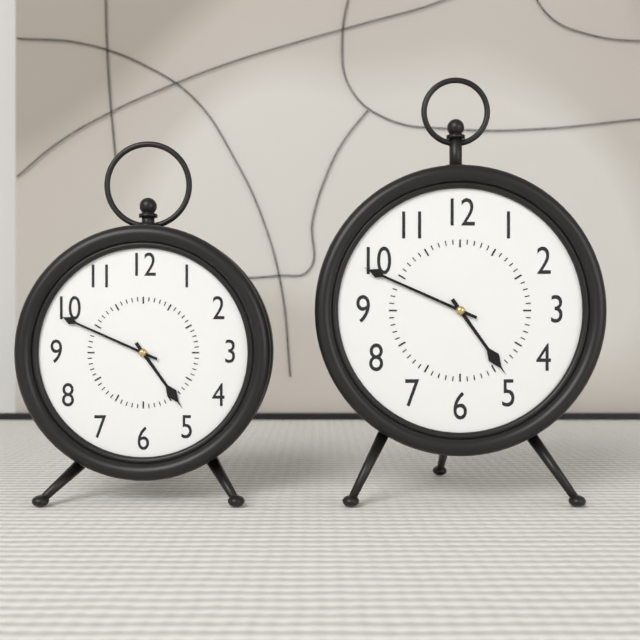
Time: {"hour": 4, "minute": 49}
